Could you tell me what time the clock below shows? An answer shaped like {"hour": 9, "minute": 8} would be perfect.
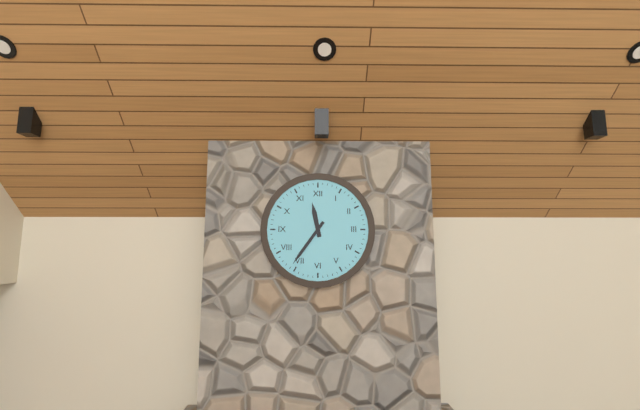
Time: {"hour": 11, "minute": 36}
